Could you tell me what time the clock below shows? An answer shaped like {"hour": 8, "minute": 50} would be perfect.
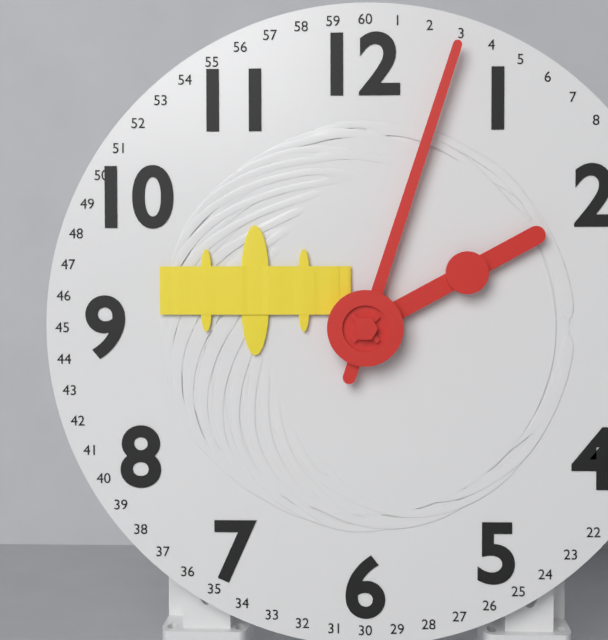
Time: {"hour": 2, "minute": 3}
